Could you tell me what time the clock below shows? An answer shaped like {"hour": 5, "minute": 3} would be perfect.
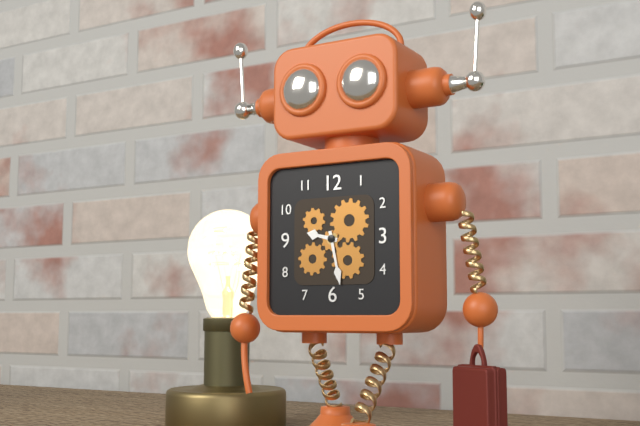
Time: {"hour": 9, "minute": 28}
